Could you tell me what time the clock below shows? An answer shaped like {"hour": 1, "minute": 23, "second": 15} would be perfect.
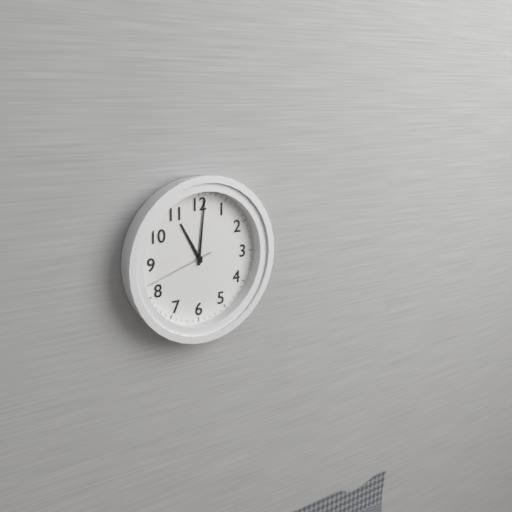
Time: {"hour": 11, "minute": 1, "second": 42}
